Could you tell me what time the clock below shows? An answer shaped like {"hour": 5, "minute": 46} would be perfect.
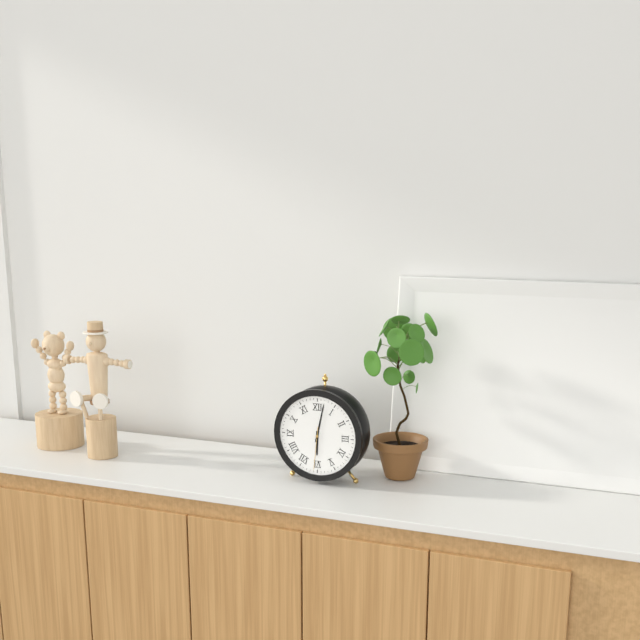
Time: {"hour": 6, "minute": 2}
